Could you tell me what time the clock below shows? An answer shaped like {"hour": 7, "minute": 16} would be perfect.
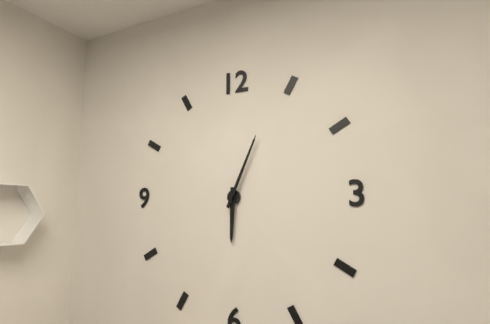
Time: {"hour": 6, "minute": 4}
